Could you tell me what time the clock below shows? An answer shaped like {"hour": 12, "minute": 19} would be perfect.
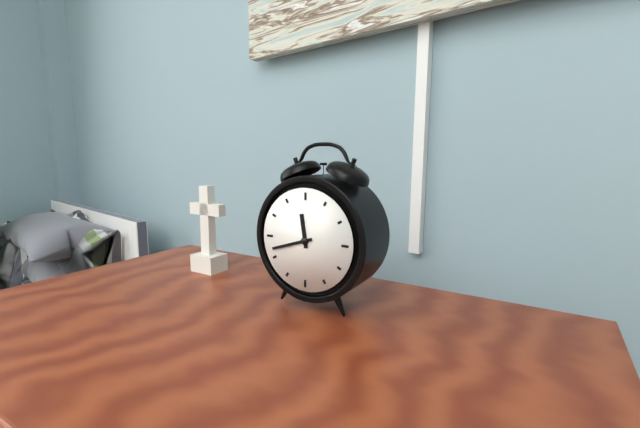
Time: {"hour": 11, "minute": 42}
